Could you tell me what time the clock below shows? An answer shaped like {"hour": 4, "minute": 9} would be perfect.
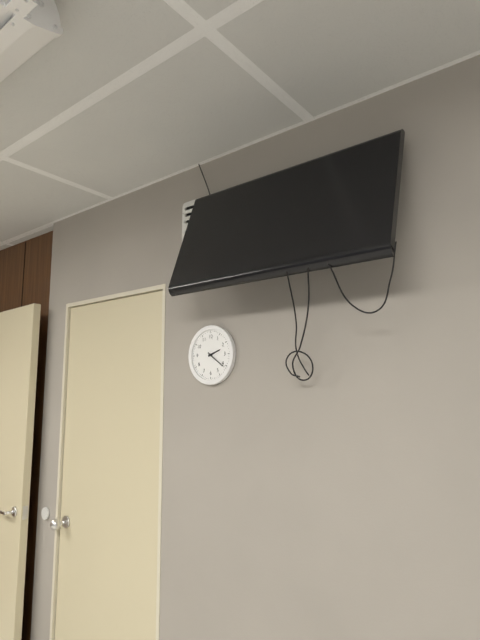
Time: {"hour": 2, "minute": 21}
